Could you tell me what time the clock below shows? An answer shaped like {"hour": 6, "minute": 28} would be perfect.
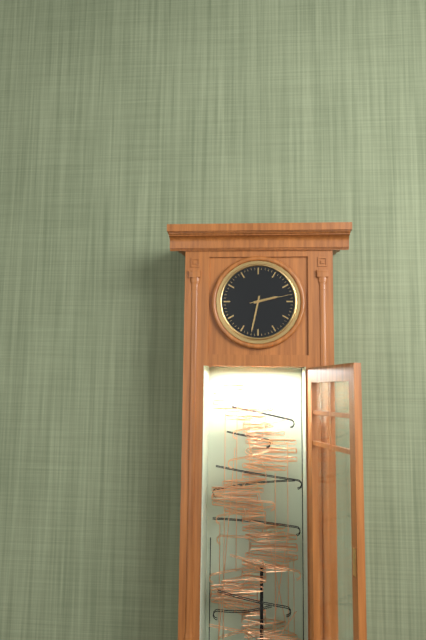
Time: {"hour": 2, "minute": 32}
